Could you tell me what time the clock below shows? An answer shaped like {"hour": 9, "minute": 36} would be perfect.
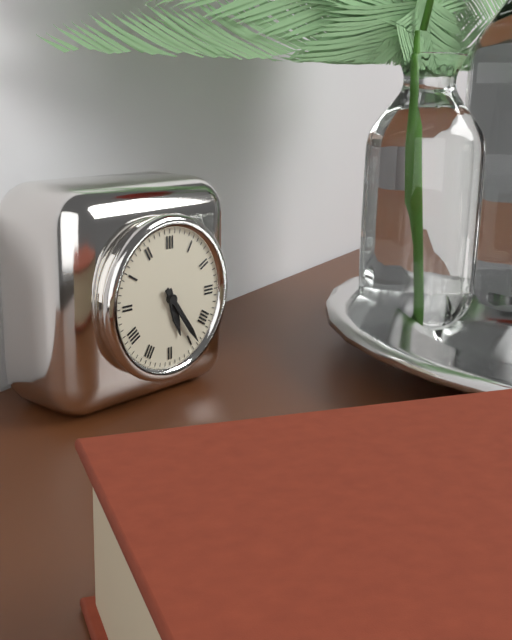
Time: {"hour": 5, "minute": 24}
